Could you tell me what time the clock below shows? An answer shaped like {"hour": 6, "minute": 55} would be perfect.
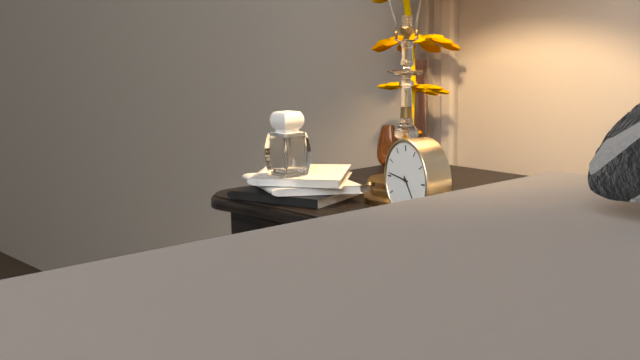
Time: {"hour": 4, "minute": 46}
